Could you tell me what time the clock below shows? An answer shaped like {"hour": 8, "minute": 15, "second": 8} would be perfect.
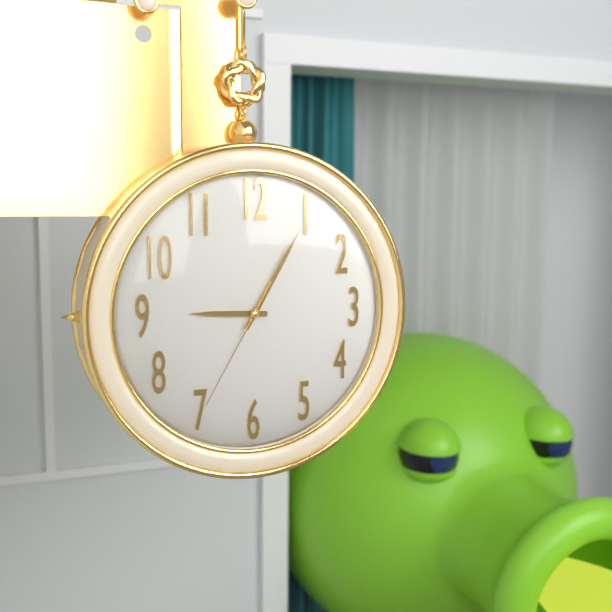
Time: {"hour": 9, "minute": 5, "second": 35}
